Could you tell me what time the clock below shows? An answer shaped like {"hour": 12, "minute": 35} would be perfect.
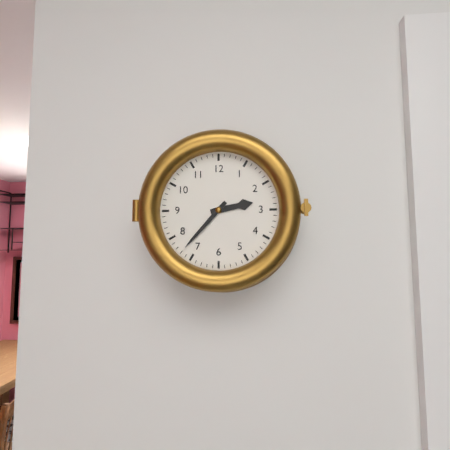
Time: {"hour": 2, "minute": 37}
